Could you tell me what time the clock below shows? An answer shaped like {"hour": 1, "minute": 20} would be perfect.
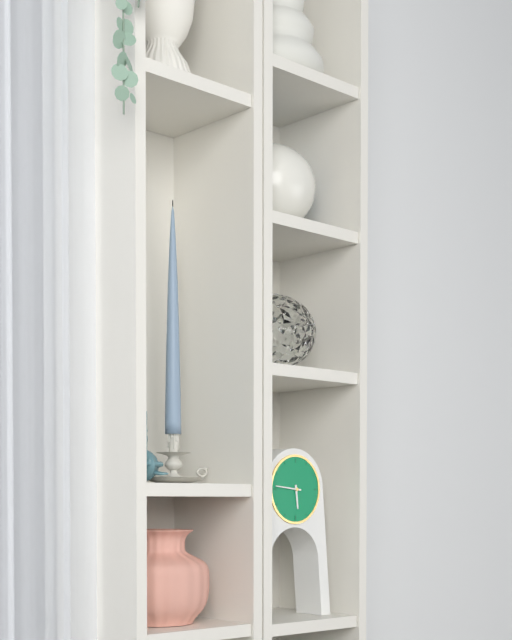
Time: {"hour": 5, "minute": 46}
